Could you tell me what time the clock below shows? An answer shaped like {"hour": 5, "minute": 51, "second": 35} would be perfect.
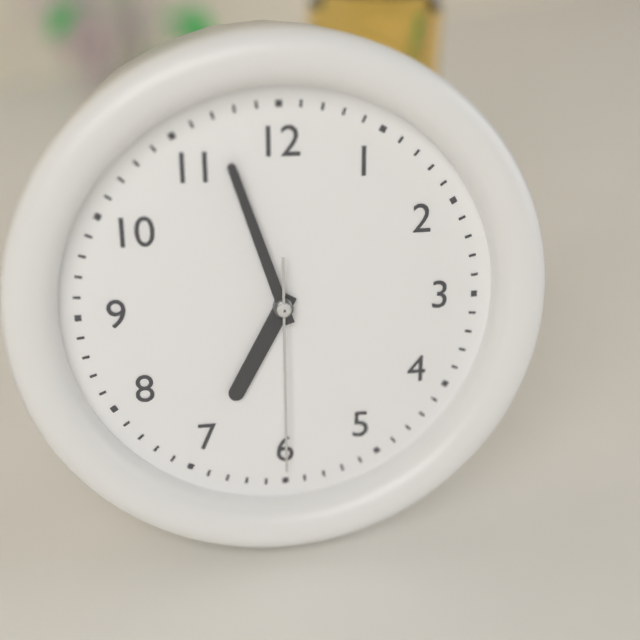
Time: {"hour": 6, "minute": 57, "second": 30}
